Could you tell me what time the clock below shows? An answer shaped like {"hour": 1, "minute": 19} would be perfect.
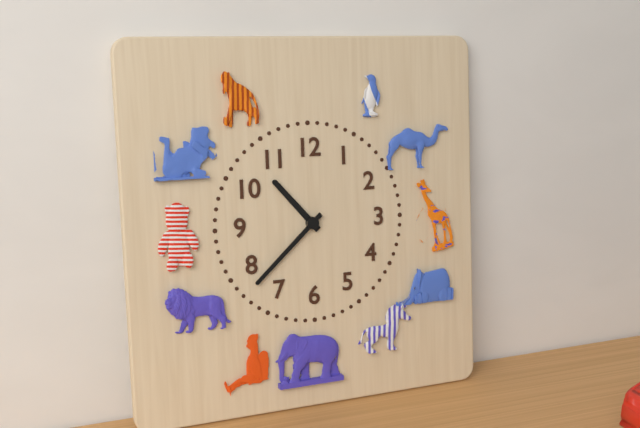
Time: {"hour": 10, "minute": 38}
